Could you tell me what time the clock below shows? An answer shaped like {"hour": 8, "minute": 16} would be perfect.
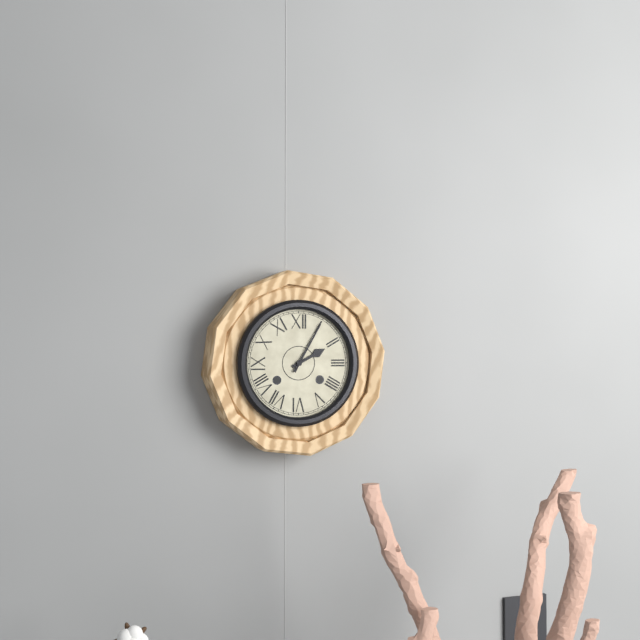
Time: {"hour": 2, "minute": 5}
